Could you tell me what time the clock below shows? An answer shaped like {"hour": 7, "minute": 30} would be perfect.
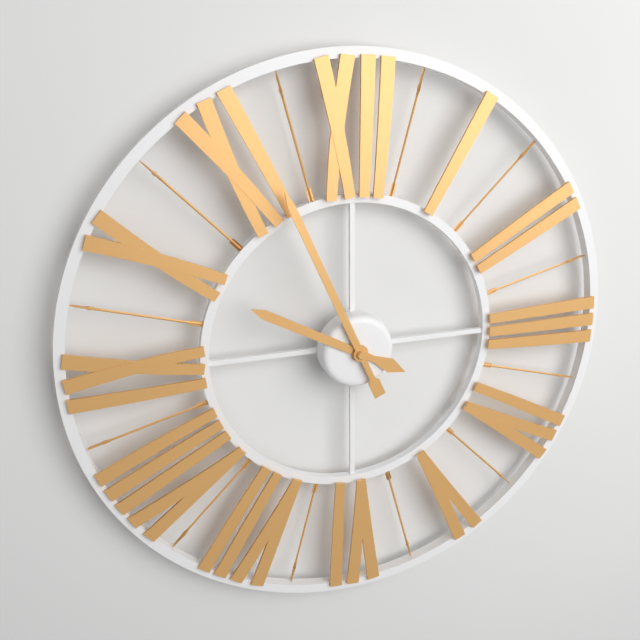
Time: {"hour": 9, "minute": 56}
